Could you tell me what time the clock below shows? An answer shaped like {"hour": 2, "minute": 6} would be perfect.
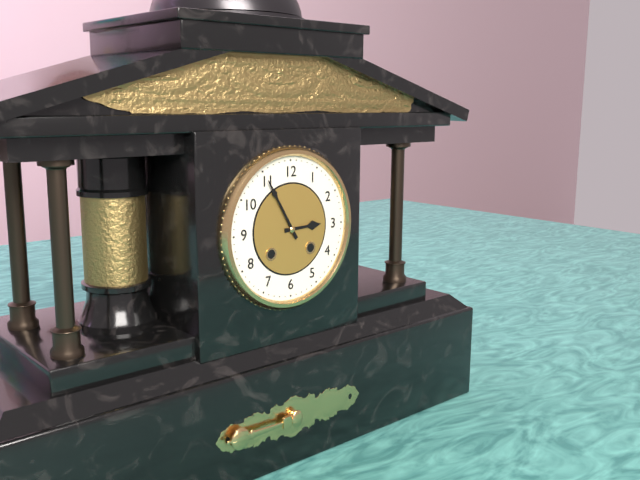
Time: {"hour": 2, "minute": 55}
